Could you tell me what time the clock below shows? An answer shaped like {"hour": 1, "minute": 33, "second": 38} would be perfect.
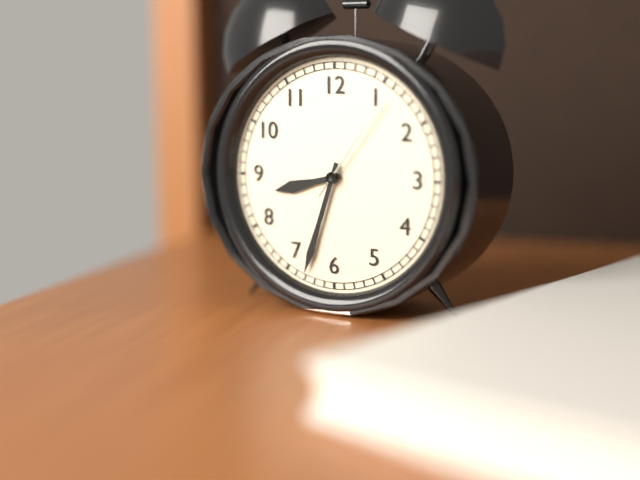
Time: {"hour": 8, "minute": 33, "second": 6}
